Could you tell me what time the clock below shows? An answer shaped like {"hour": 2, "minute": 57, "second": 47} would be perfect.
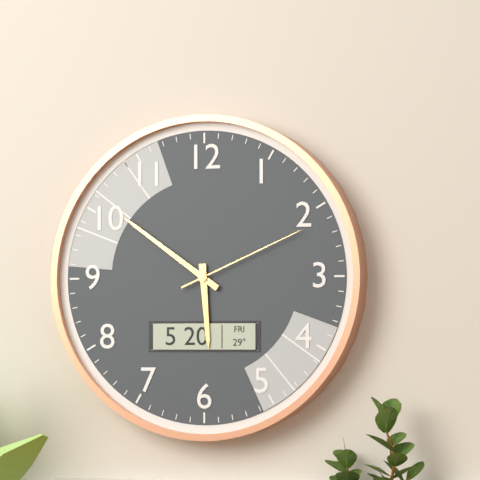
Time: {"hour": 5, "minute": 51, "second": 11}
